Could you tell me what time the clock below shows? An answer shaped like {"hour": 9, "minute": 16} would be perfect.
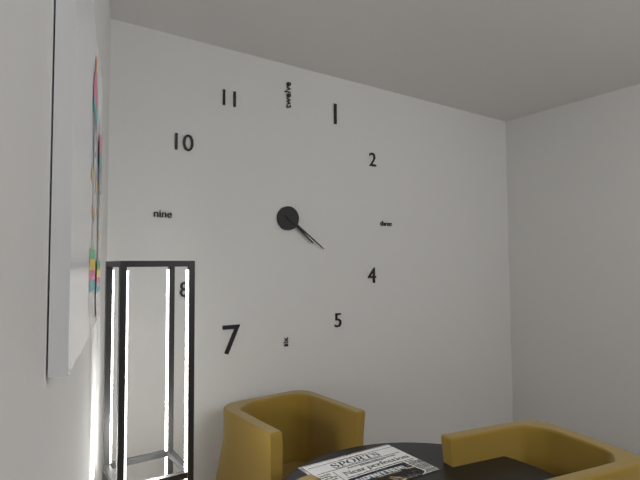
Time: {"hour": 4, "minute": 21}
